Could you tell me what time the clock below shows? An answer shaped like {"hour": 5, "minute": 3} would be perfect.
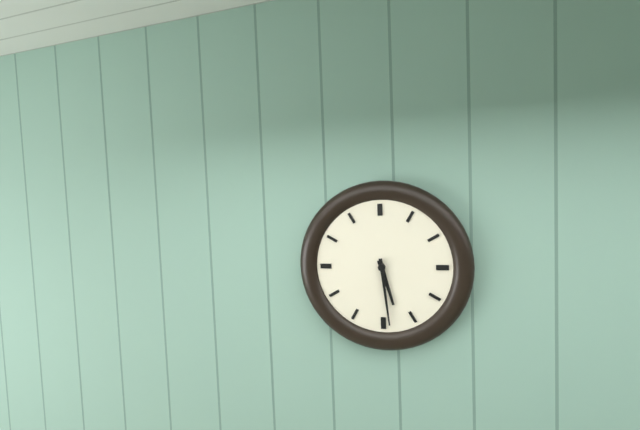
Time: {"hour": 5, "minute": 29}
